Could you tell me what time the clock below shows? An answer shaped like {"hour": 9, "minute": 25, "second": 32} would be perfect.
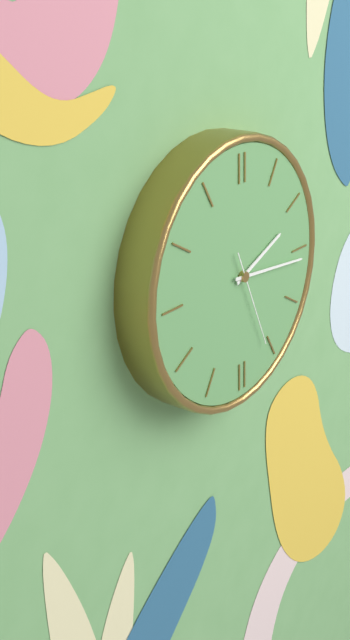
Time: {"hour": 2, "minute": 16, "second": 26}
